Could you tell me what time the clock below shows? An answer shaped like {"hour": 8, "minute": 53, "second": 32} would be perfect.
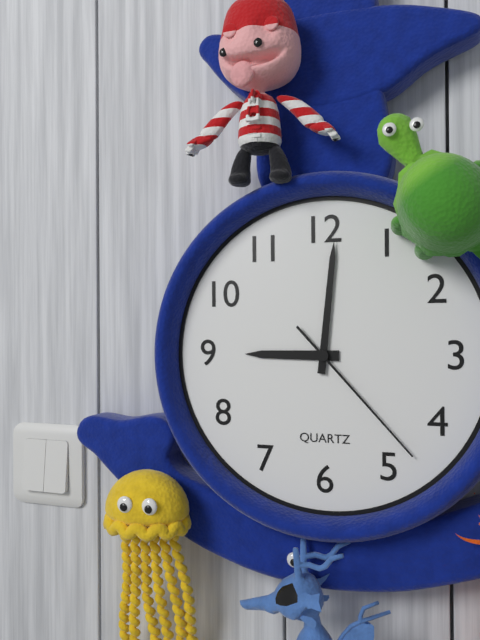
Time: {"hour": 9, "minute": 1, "second": 23}
